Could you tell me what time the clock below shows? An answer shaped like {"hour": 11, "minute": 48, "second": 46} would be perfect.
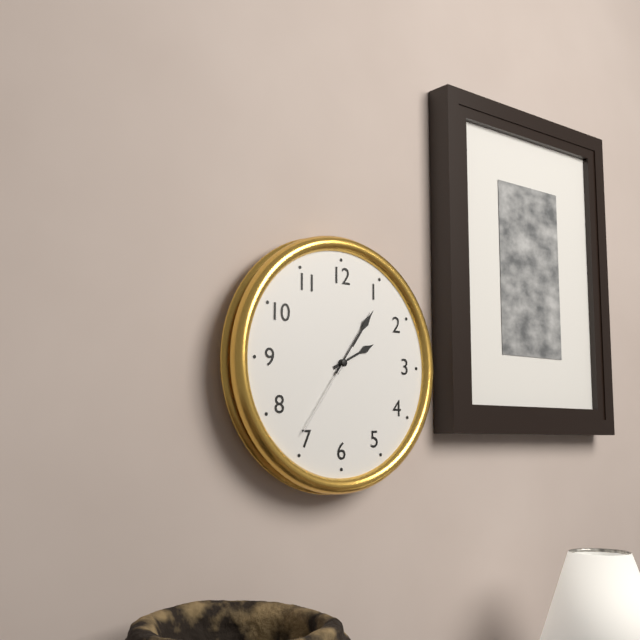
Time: {"hour": 2, "minute": 6, "second": 36}
